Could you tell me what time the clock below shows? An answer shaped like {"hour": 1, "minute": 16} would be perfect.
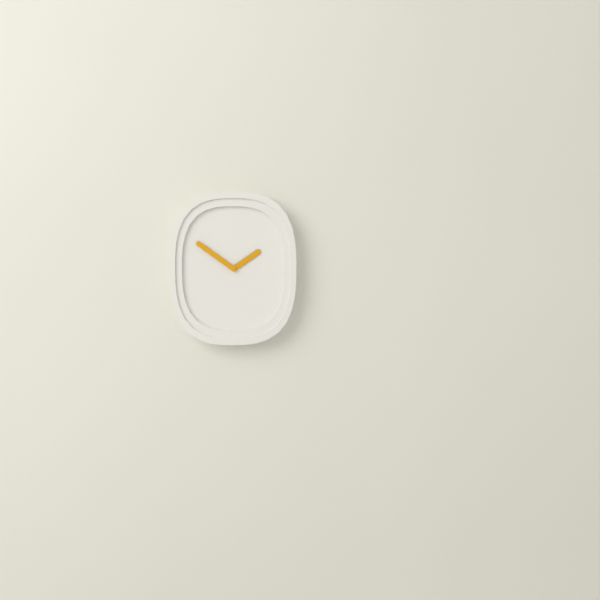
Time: {"hour": 1, "minute": 51}
